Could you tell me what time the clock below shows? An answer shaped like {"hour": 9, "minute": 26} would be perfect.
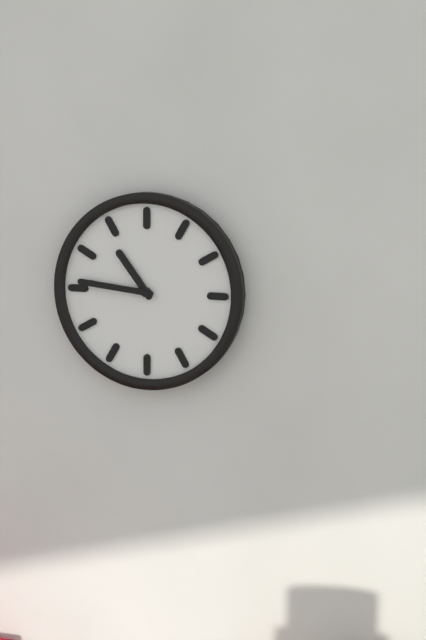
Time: {"hour": 10, "minute": 46}
